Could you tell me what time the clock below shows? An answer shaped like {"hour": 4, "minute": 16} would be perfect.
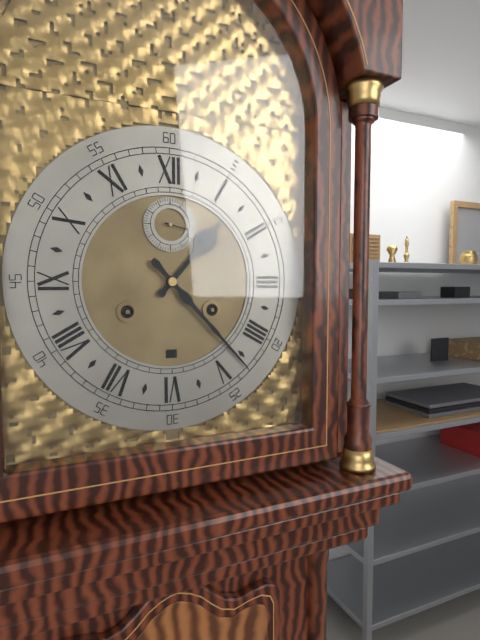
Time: {"hour": 1, "minute": 23}
